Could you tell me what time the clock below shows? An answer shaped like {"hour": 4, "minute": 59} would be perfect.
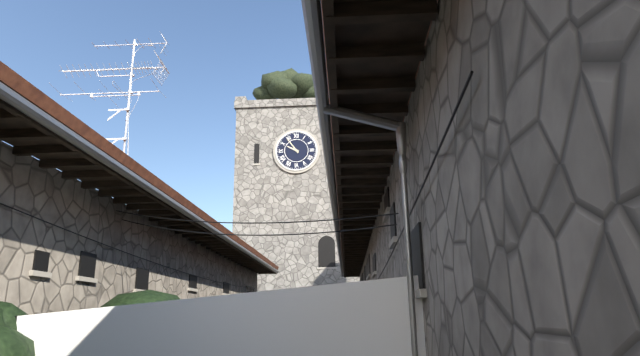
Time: {"hour": 9, "minute": 54}
